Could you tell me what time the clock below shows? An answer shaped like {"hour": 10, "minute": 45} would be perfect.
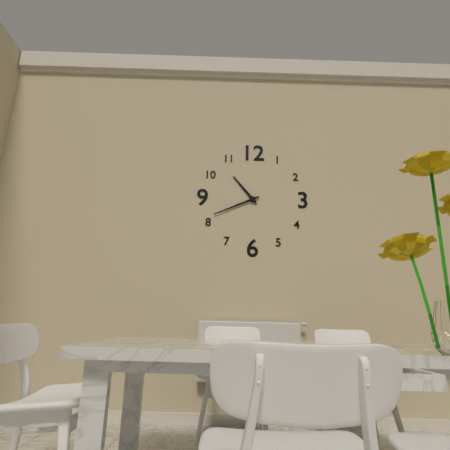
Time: {"hour": 10, "minute": 41}
